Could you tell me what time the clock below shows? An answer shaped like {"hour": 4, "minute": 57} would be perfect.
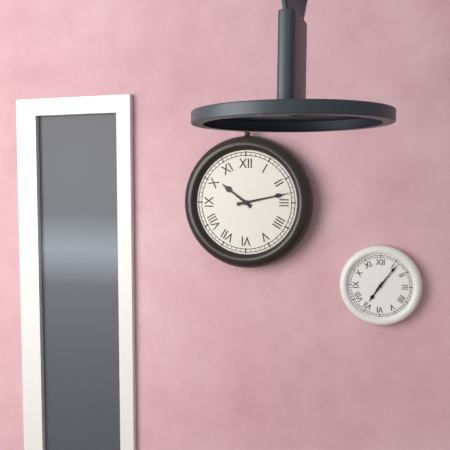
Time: {"hour": 10, "minute": 13}
